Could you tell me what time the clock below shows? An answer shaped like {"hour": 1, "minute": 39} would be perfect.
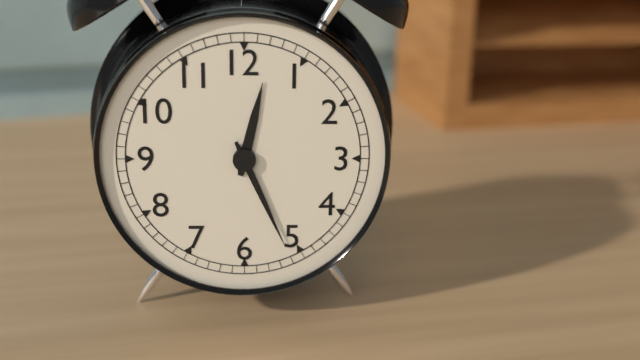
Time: {"hour": 12, "minute": 26}
